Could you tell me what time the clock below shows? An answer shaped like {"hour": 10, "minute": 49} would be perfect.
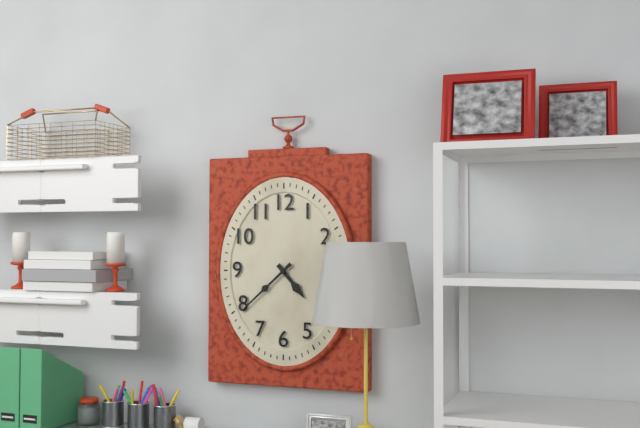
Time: {"hour": 4, "minute": 38}
